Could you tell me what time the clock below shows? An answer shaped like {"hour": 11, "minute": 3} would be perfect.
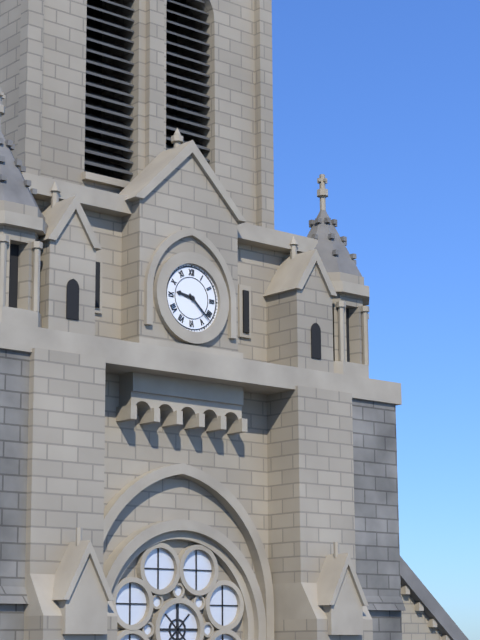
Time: {"hour": 9, "minute": 22}
